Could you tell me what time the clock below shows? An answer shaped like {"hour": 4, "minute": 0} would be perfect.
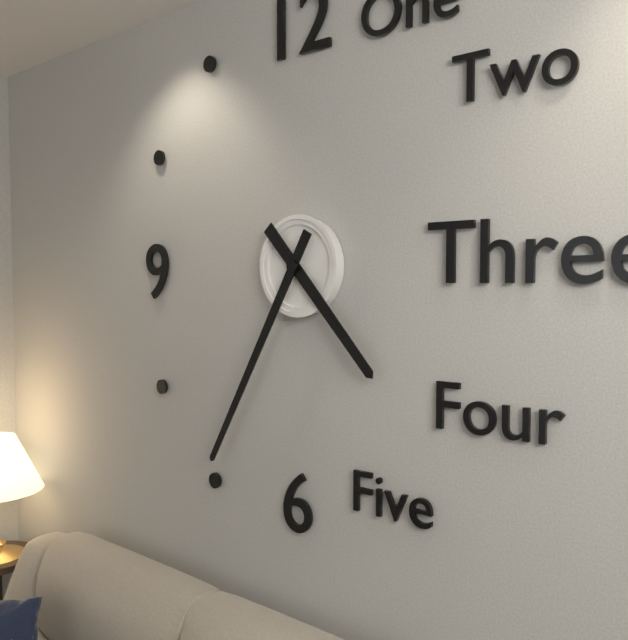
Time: {"hour": 4, "minute": 35}
